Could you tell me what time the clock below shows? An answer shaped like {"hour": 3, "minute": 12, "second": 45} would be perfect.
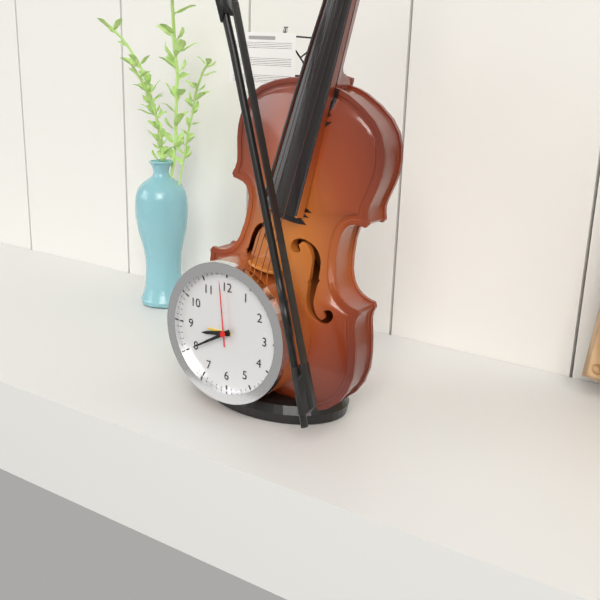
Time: {"hour": 8, "minute": 40, "second": 59}
